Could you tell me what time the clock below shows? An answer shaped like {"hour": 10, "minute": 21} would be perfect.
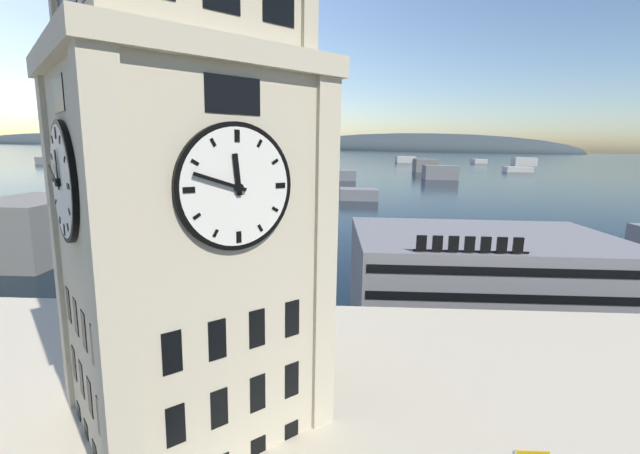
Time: {"hour": 11, "minute": 48}
